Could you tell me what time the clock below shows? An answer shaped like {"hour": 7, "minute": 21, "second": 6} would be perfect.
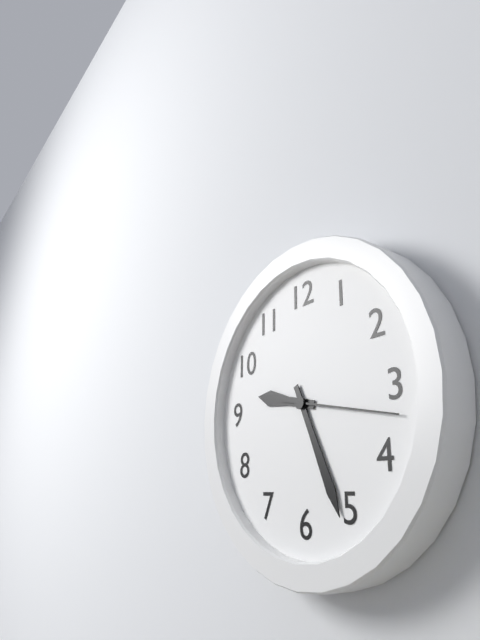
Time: {"hour": 9, "minute": 26, "second": 17}
